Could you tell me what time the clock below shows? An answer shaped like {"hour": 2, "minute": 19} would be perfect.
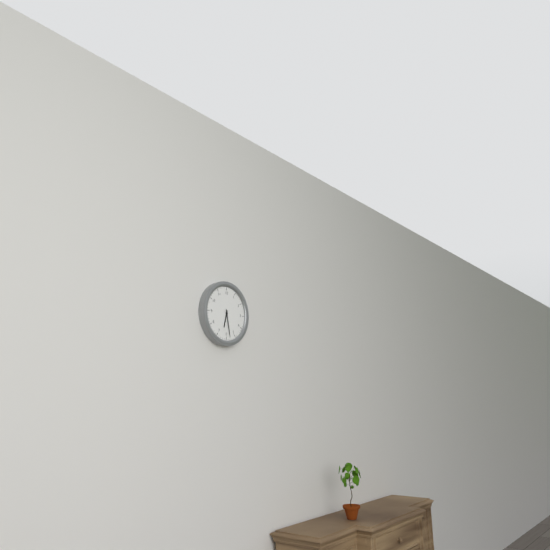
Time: {"hour": 6, "minute": 28}
